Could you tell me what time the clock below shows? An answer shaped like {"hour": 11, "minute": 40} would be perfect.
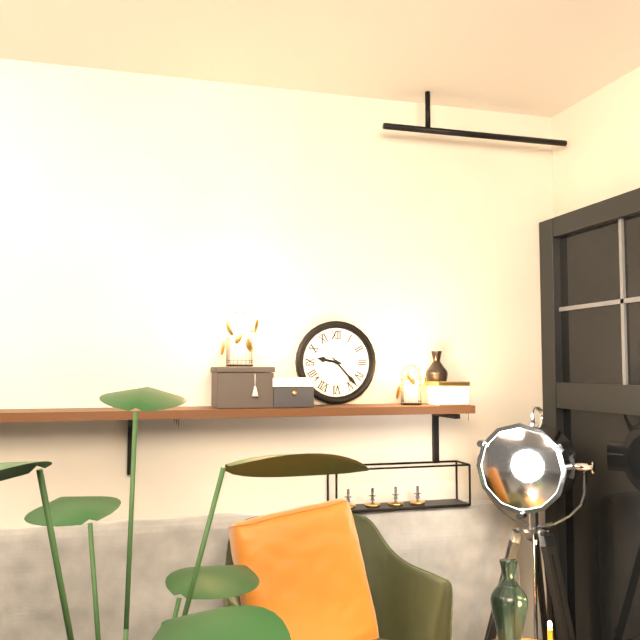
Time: {"hour": 9, "minute": 23}
